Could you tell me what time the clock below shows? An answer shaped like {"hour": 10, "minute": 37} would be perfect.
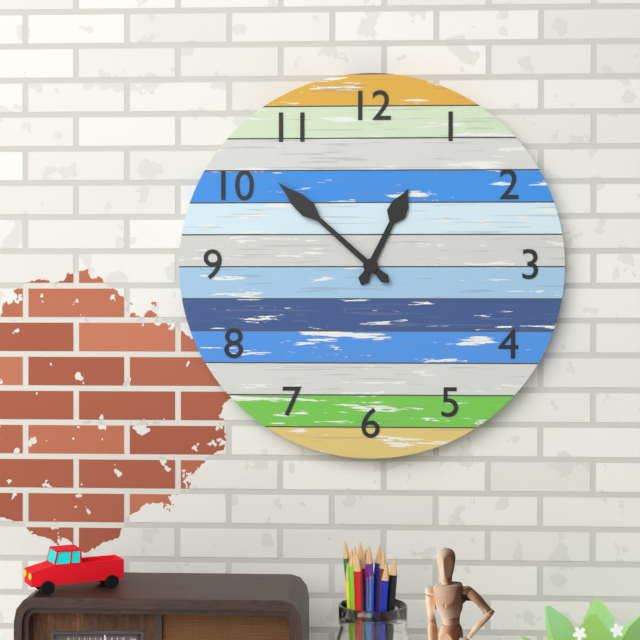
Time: {"hour": 12, "minute": 52}
